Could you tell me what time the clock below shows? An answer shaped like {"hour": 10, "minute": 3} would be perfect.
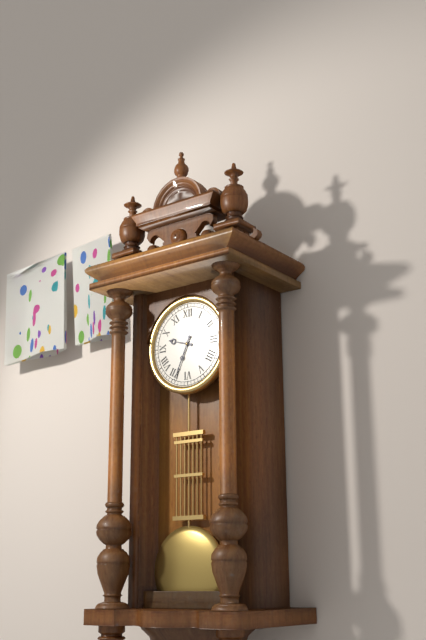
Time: {"hour": 9, "minute": 34}
